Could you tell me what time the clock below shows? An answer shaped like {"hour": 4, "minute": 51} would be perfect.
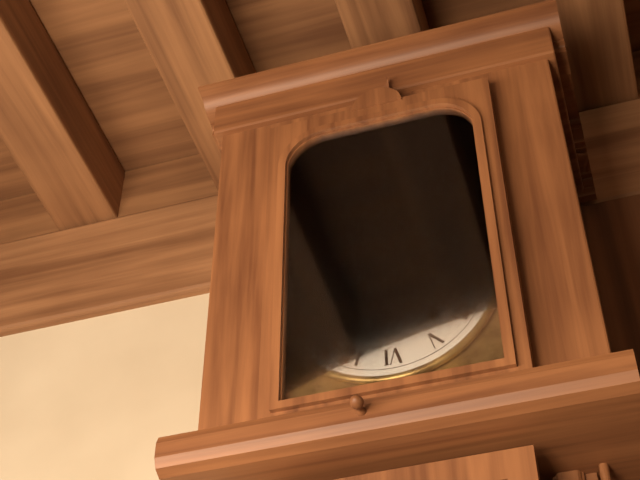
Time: {"hour": 12, "minute": 53}
